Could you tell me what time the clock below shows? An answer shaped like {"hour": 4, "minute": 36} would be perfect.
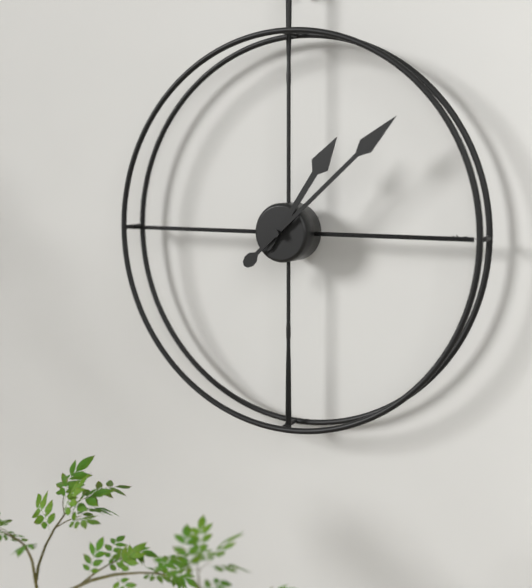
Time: {"hour": 1, "minute": 8}
